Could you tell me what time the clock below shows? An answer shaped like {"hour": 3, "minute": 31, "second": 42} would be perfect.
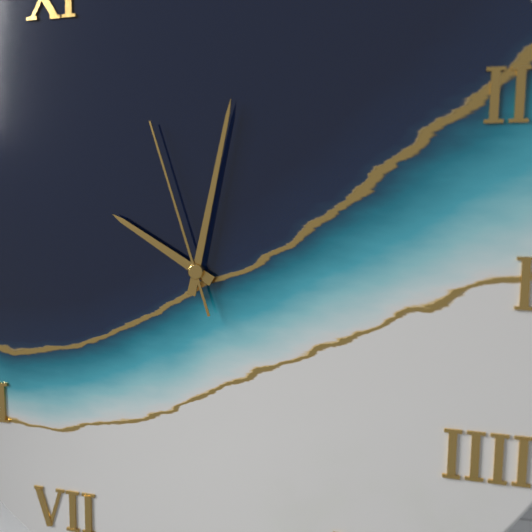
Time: {"hour": 10, "minute": 2, "second": 57}
